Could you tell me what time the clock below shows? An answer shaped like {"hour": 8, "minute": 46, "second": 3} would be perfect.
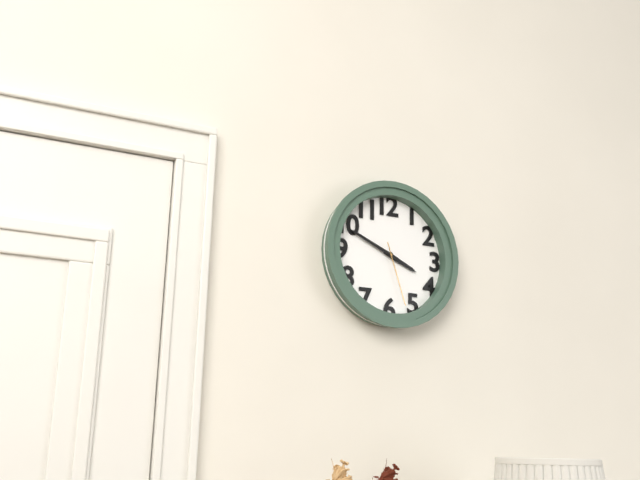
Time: {"hour": 3, "minute": 49, "second": 27}
